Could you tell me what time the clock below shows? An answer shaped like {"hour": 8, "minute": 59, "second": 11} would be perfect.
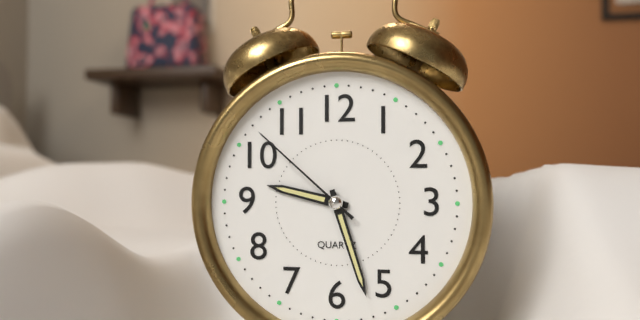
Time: {"hour": 9, "minute": 27, "second": 52}
